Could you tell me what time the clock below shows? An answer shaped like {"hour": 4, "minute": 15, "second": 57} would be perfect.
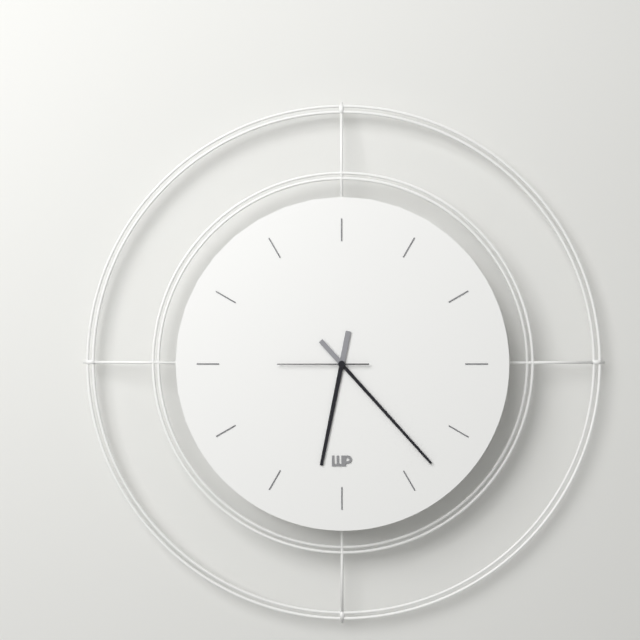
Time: {"hour": 6, "minute": 23, "second": 45}
